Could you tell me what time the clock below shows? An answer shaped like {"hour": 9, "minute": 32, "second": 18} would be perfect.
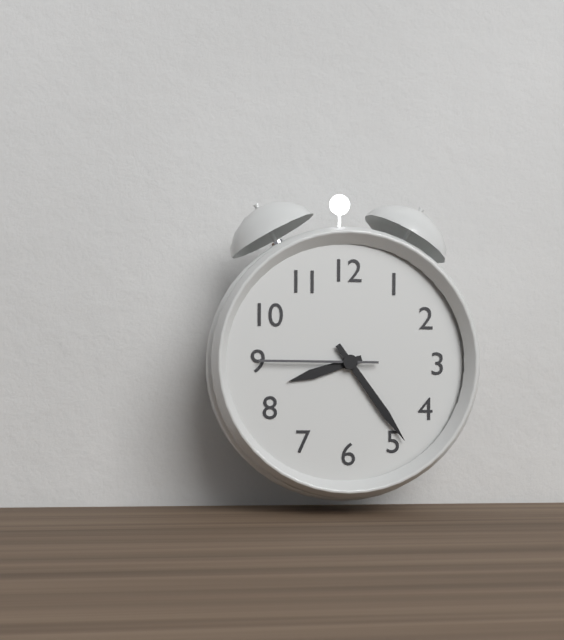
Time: {"hour": 8, "minute": 24, "second": 45}
